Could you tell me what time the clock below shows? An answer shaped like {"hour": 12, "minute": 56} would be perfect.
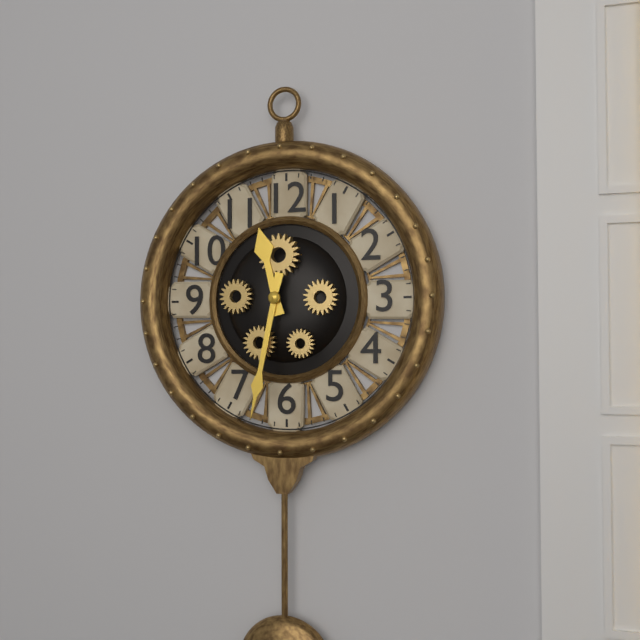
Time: {"hour": 11, "minute": 32}
